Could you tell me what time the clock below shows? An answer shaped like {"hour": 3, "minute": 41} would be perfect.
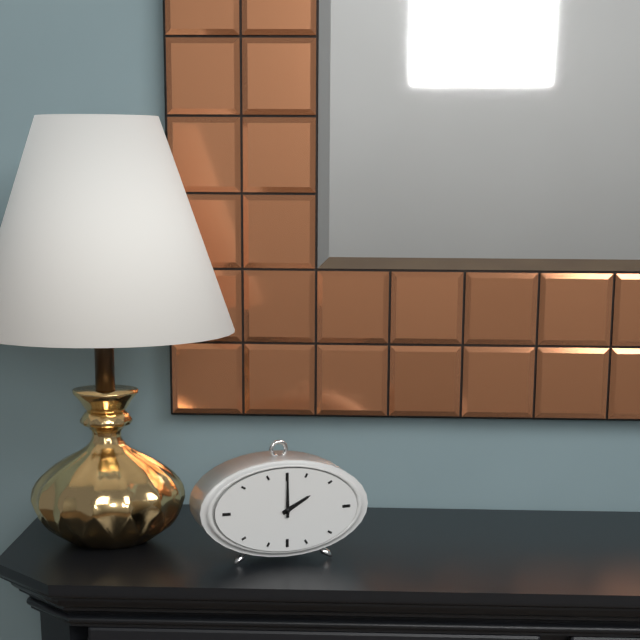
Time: {"hour": 2, "minute": 0}
